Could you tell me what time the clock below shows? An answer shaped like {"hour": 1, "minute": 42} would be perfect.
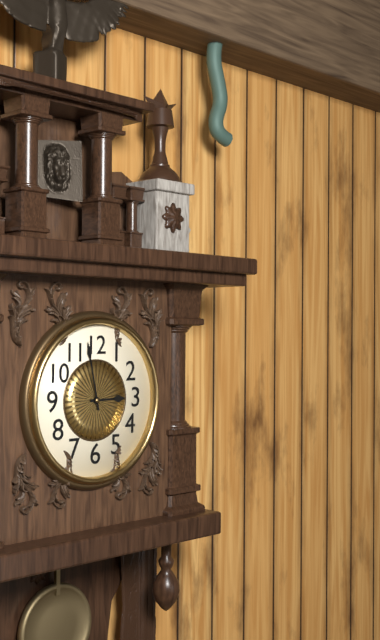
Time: {"hour": 2, "minute": 58}
